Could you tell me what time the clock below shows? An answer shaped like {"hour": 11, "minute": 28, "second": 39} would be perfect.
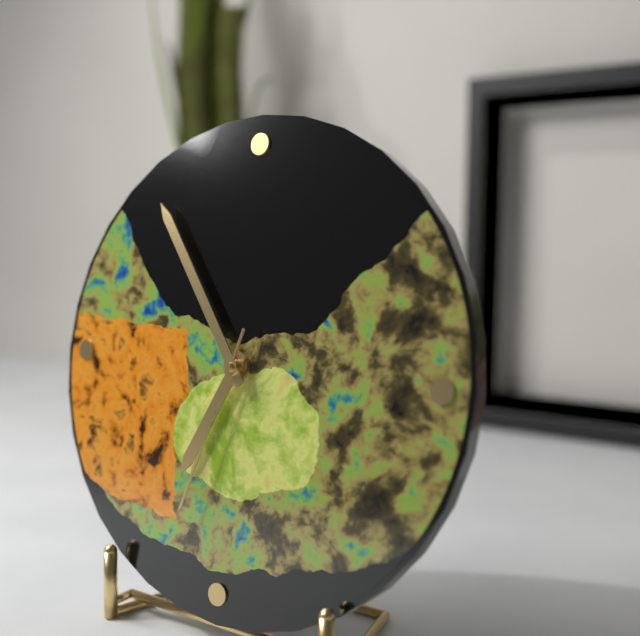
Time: {"hour": 6, "minute": 54, "second": 33}
